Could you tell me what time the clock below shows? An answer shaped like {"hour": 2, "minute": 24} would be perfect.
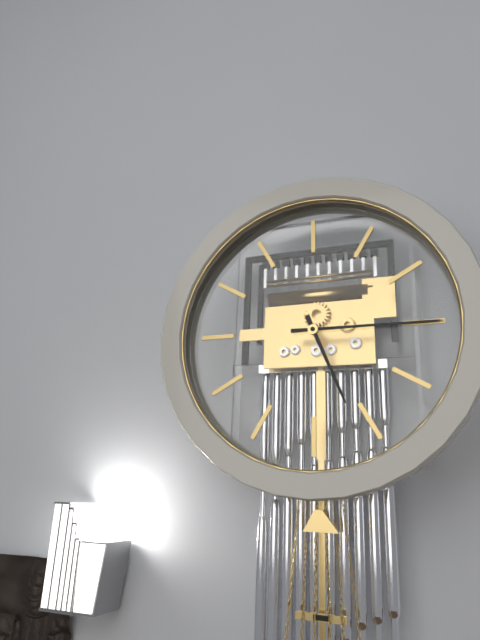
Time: {"hour": 5, "minute": 15}
